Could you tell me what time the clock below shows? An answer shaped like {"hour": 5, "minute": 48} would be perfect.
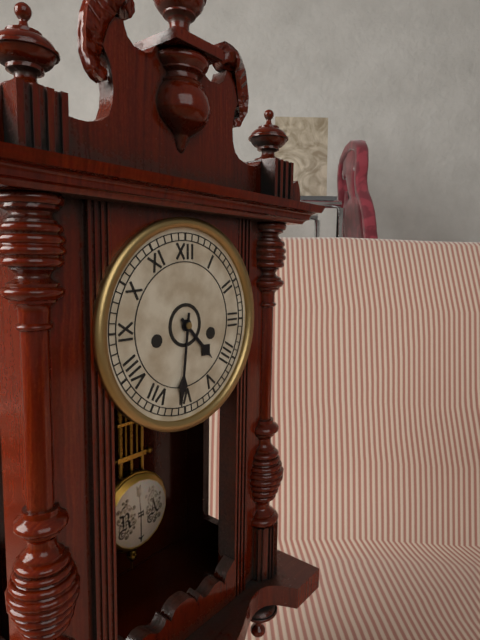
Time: {"hour": 4, "minute": 31}
